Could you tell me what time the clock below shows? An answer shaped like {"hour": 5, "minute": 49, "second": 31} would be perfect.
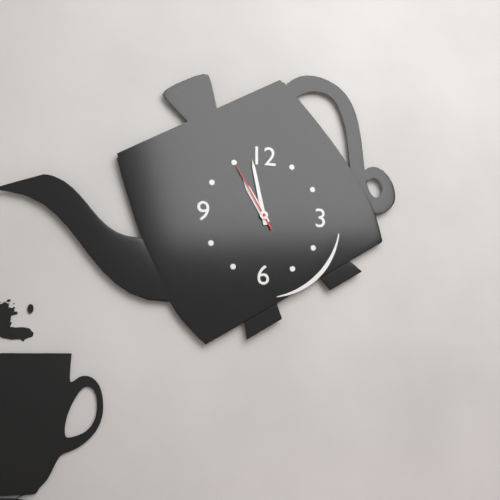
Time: {"hour": 10, "minute": 58, "second": 55}
